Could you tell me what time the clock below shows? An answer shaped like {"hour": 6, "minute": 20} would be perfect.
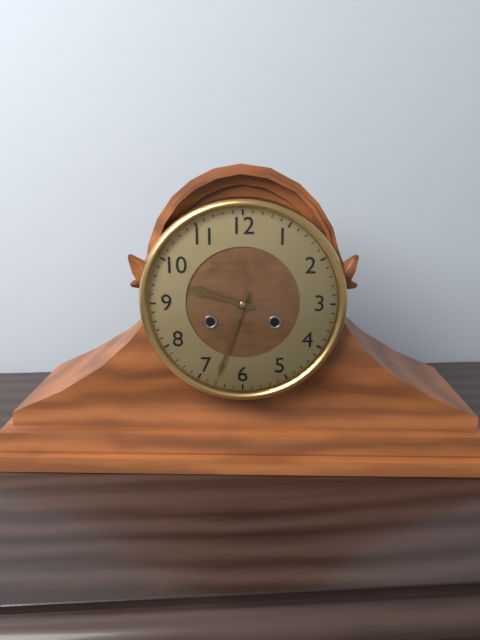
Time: {"hour": 9, "minute": 33}
